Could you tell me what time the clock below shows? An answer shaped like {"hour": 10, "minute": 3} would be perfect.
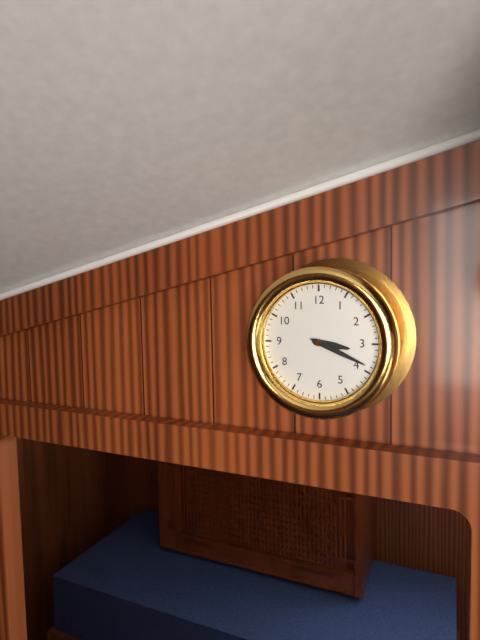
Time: {"hour": 3, "minute": 19}
